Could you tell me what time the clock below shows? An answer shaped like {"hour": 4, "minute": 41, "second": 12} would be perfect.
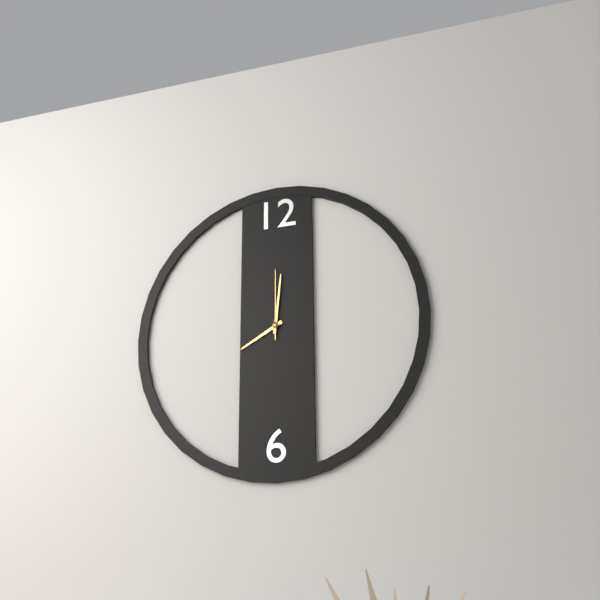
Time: {"hour": 8, "minute": 1, "second": 0}
